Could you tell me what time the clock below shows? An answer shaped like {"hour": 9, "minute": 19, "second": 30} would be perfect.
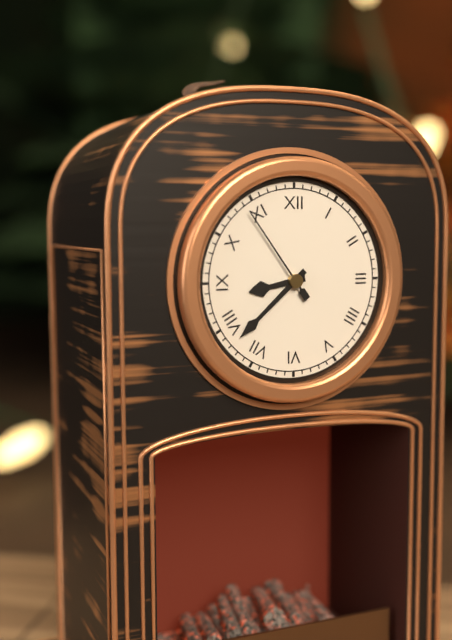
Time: {"hour": 8, "minute": 38, "second": 54}
